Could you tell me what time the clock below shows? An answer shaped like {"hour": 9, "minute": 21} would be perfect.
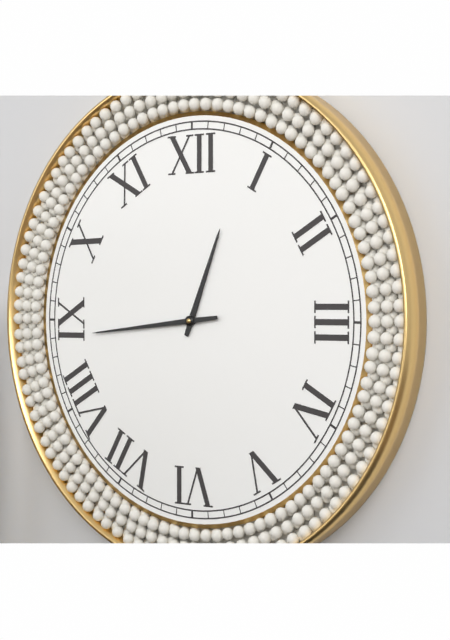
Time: {"hour": 12, "minute": 44}
